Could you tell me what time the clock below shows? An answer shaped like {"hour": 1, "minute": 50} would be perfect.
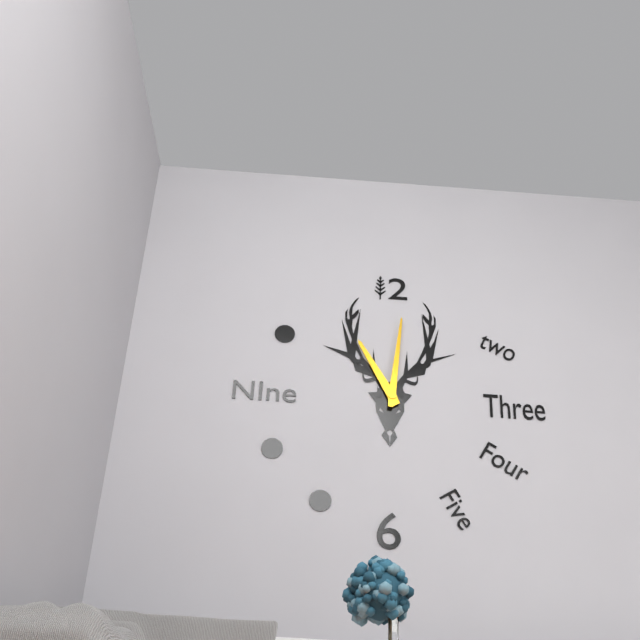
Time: {"hour": 11, "minute": 1}
